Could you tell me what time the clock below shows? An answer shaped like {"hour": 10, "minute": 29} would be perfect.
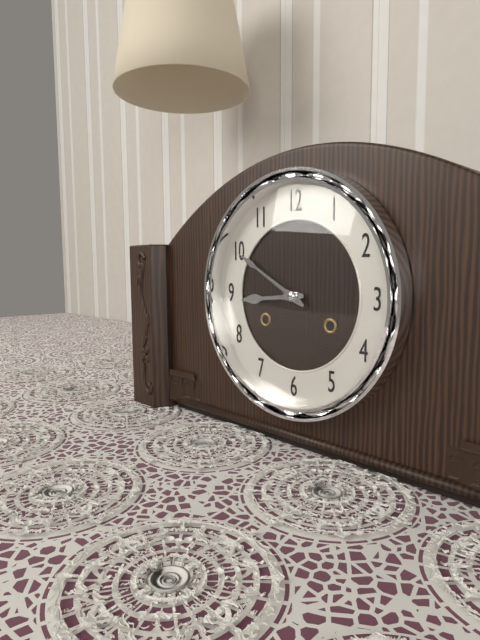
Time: {"hour": 8, "minute": 50}
